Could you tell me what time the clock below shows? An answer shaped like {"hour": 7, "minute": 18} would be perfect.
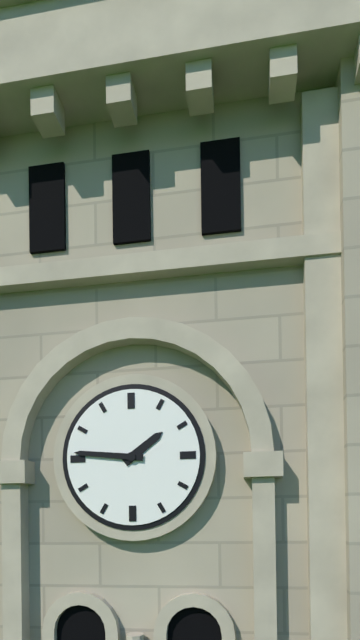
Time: {"hour": 1, "minute": 46}
